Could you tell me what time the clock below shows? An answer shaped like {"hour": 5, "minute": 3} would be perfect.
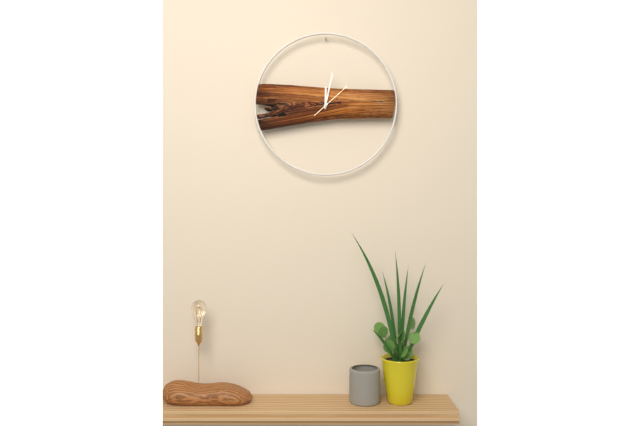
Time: {"hour": 12, "minute": 2}
